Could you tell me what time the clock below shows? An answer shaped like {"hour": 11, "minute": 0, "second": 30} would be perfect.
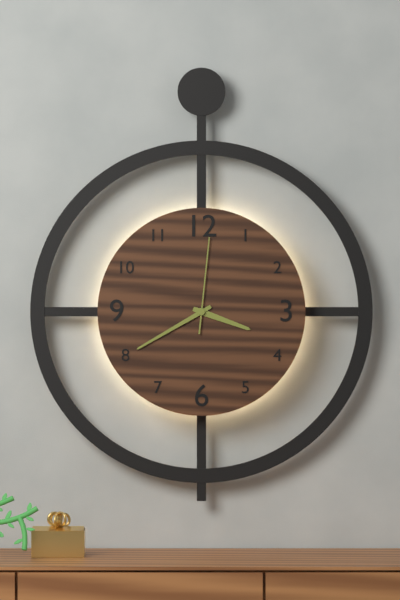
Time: {"hour": 3, "minute": 40, "second": 1}
